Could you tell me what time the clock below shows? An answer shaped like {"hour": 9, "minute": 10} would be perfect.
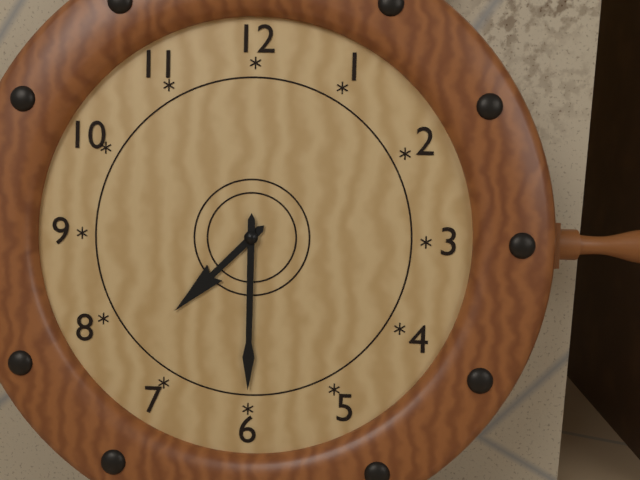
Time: {"hour": 7, "minute": 30}
